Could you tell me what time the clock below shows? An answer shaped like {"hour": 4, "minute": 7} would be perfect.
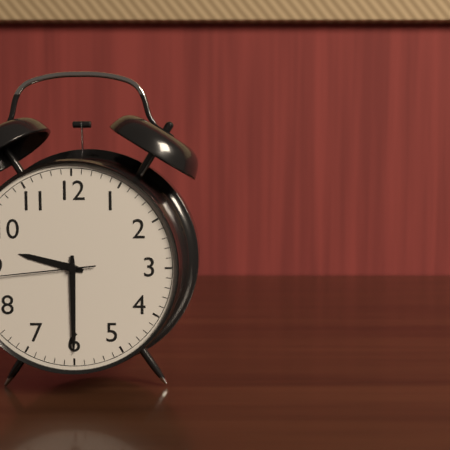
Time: {"hour": 9, "minute": 30}
